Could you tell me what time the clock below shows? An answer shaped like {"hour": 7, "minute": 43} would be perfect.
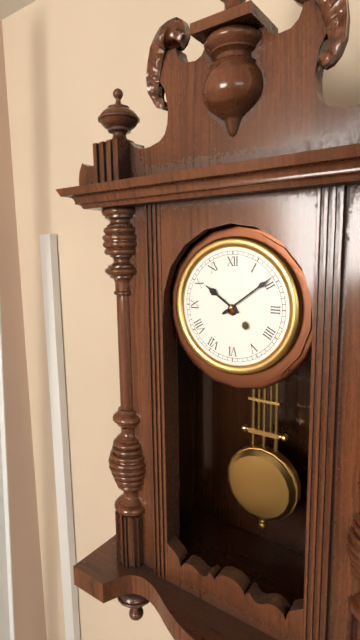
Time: {"hour": 10, "minute": 9}
